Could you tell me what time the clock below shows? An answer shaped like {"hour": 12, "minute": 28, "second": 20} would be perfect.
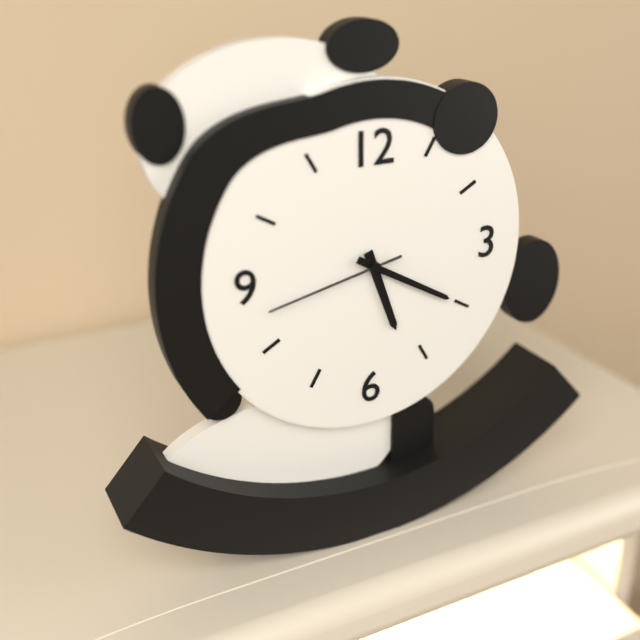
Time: {"hour": 5, "minute": 20, "second": 43}
